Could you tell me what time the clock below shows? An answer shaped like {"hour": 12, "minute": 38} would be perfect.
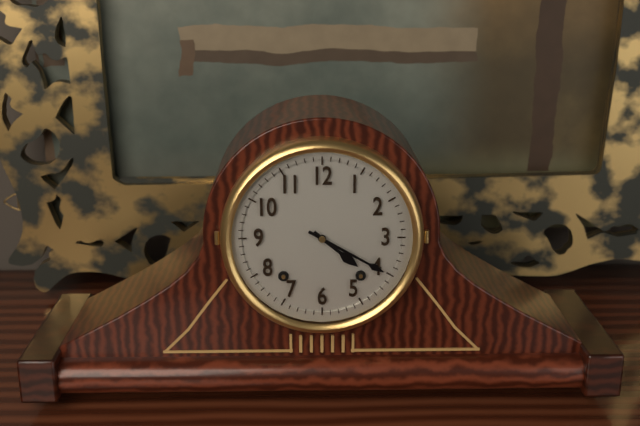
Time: {"hour": 4, "minute": 20}
